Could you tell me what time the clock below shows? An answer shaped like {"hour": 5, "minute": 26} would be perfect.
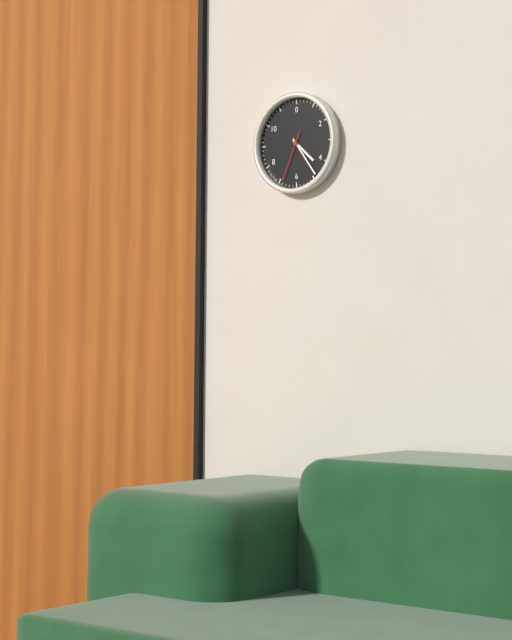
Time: {"hour": 4, "minute": 24}
